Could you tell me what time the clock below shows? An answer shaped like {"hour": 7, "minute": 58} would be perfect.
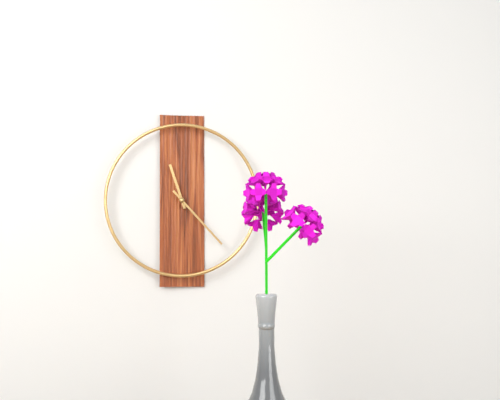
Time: {"hour": 11, "minute": 23}
